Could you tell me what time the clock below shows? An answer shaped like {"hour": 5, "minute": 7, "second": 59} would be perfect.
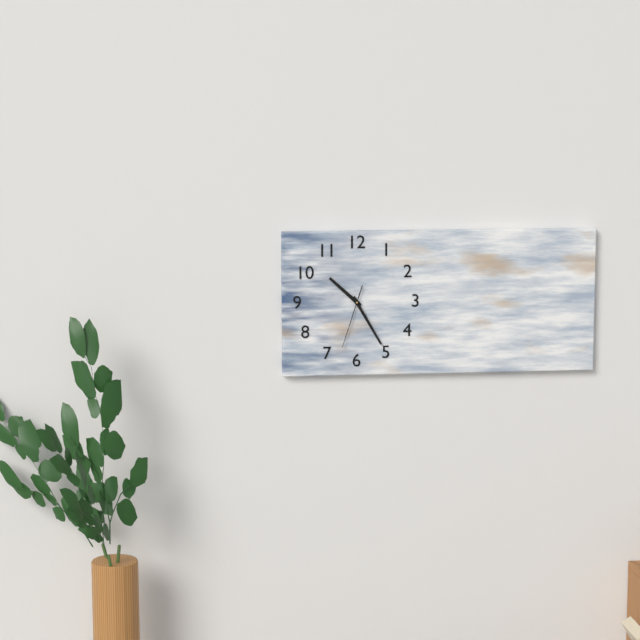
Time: {"hour": 10, "minute": 25, "second": 33}
